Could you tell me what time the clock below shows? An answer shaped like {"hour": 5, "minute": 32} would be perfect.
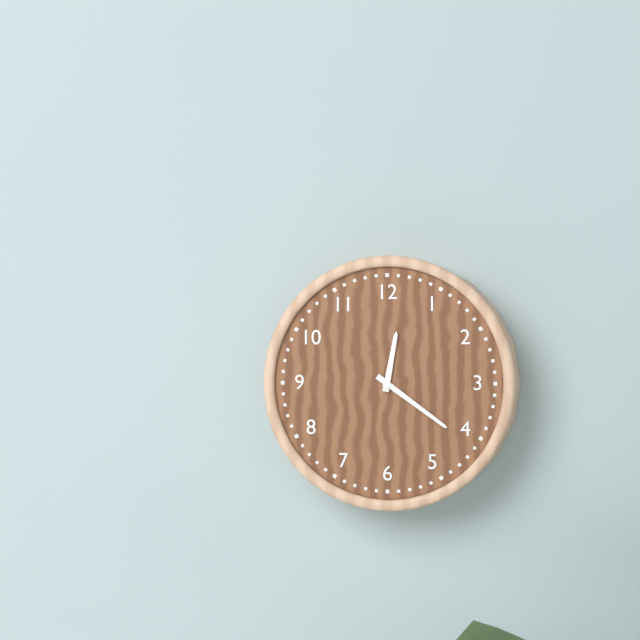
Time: {"hour": 12, "minute": 21}
